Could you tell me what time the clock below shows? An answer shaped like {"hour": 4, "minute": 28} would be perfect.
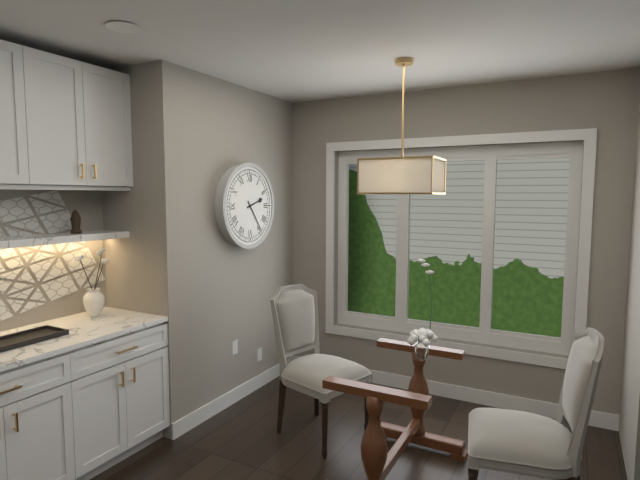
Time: {"hour": 2, "minute": 24}
